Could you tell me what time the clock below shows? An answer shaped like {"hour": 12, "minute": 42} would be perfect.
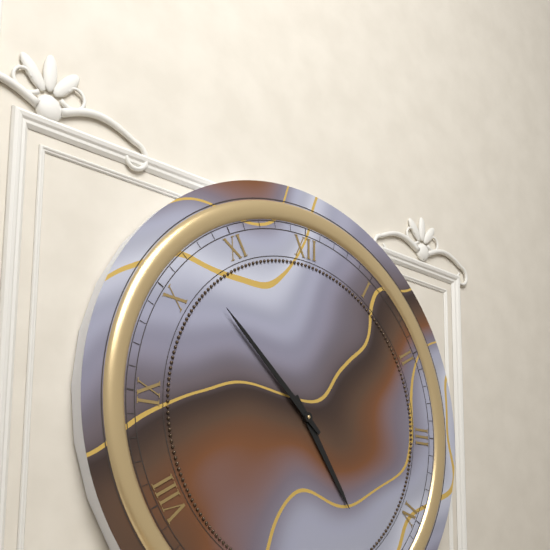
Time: {"hour": 4, "minute": 52}
